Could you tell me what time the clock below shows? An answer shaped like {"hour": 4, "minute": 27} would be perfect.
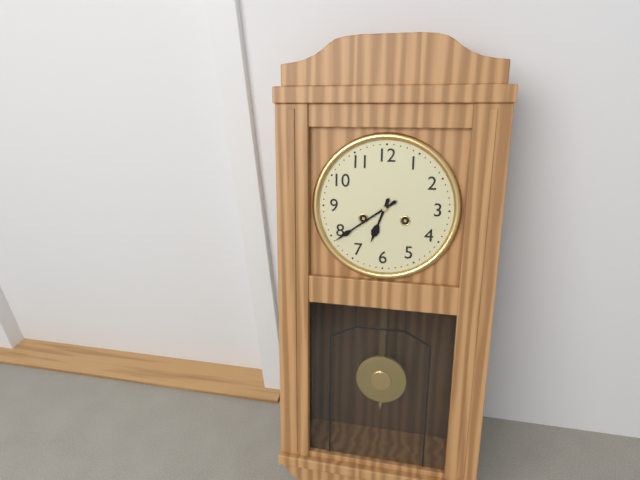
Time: {"hour": 6, "minute": 39}
